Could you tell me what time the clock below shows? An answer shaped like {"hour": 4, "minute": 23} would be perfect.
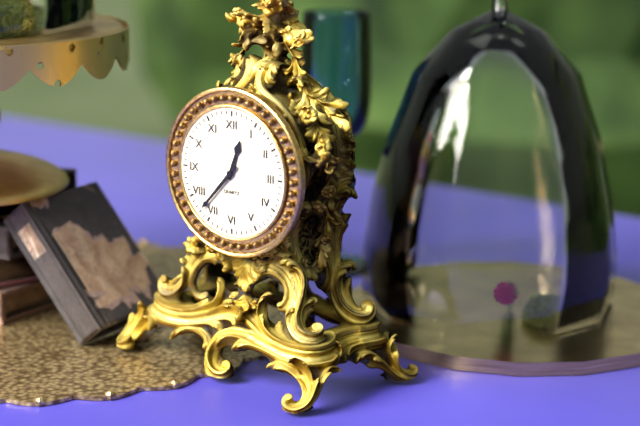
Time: {"hour": 12, "minute": 37}
